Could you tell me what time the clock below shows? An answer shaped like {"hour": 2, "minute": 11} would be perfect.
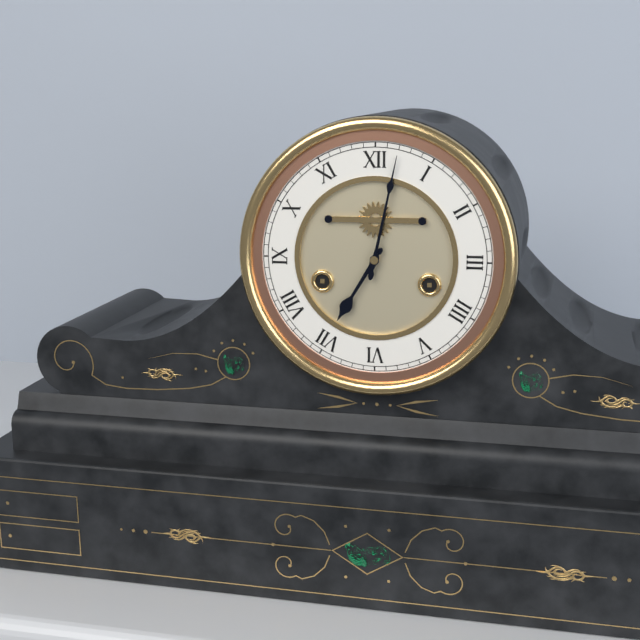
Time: {"hour": 7, "minute": 2}
